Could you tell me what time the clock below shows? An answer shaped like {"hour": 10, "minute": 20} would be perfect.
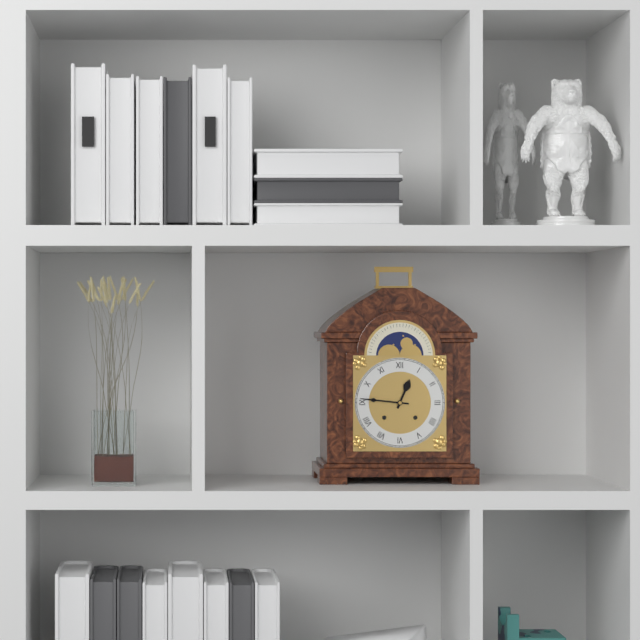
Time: {"hour": 12, "minute": 46}
